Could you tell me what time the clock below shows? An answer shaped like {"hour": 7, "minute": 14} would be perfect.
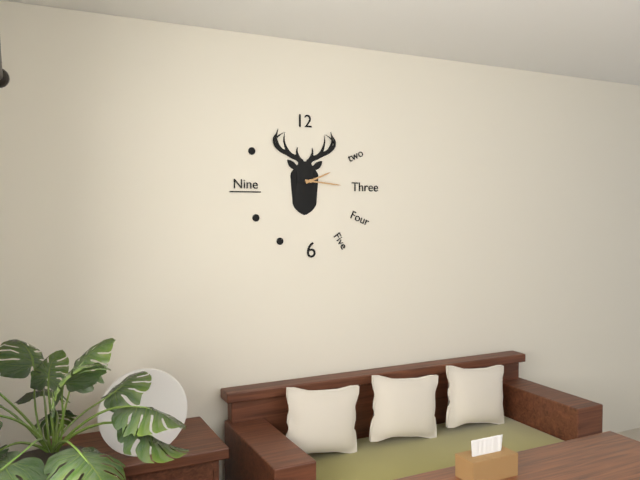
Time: {"hour": 2, "minute": 16}
